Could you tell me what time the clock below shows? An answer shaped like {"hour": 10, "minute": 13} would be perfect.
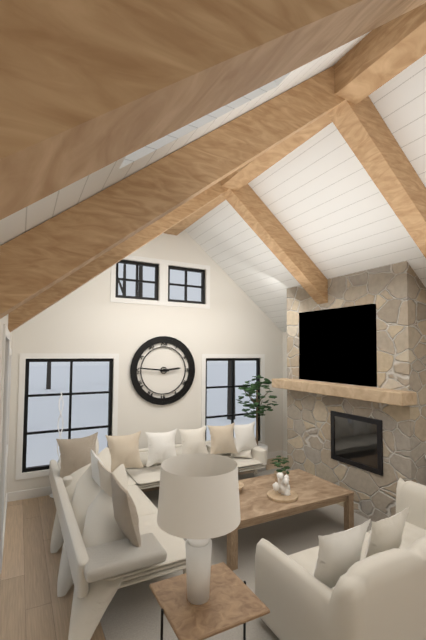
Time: {"hour": 2, "minute": 46}
